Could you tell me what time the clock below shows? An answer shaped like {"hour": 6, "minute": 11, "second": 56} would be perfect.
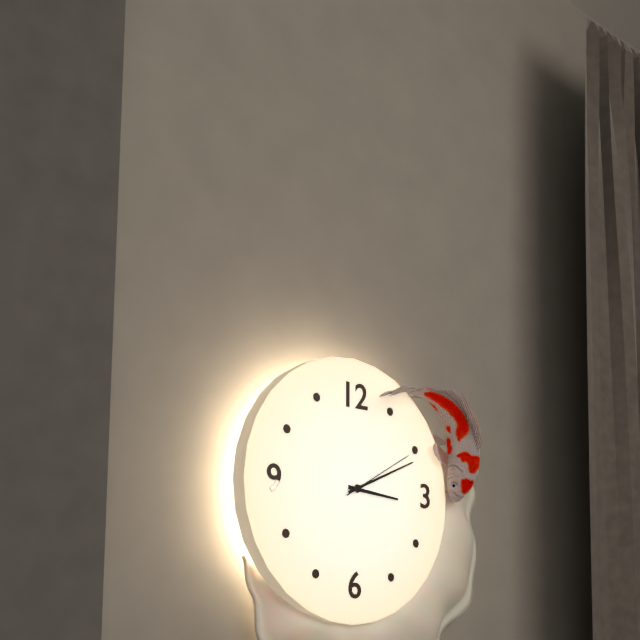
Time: {"hour": 3, "minute": 11, "second": 10}
